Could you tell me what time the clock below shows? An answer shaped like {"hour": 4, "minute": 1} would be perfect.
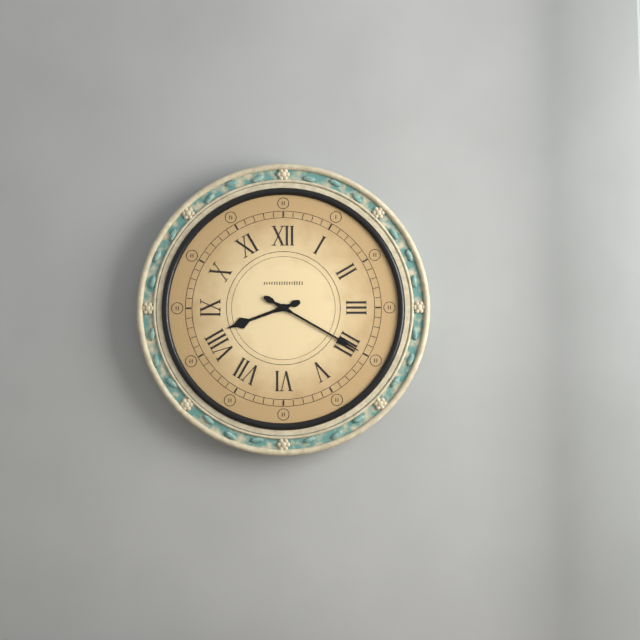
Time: {"hour": 8, "minute": 20}
